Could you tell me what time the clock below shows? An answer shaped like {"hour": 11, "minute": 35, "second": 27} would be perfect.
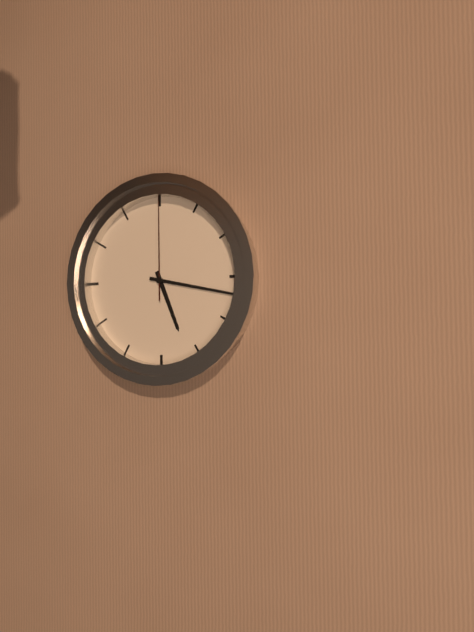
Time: {"hour": 5, "minute": 17, "second": 0}
